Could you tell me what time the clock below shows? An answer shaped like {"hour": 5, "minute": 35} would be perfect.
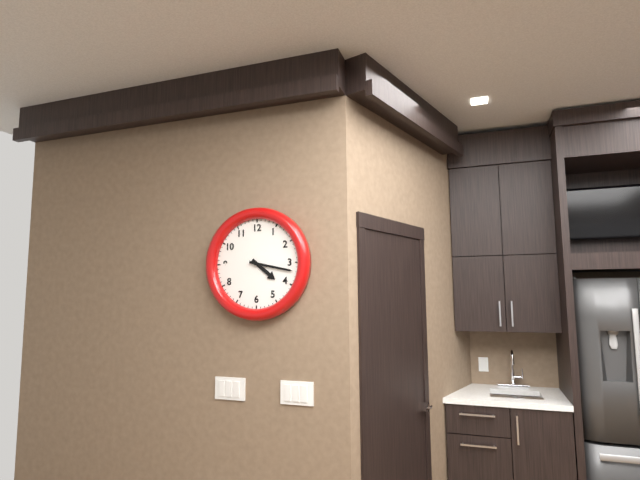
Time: {"hour": 4, "minute": 17}
